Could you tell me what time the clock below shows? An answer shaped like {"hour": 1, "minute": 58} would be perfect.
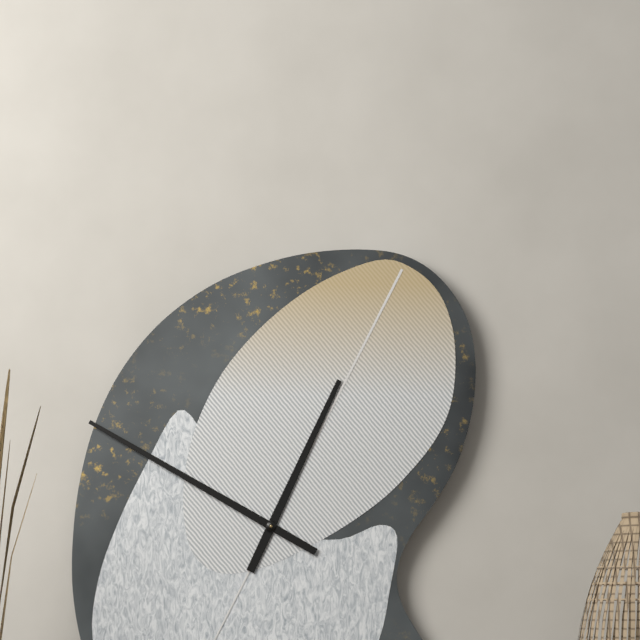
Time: {"hour": 12, "minute": 50}
